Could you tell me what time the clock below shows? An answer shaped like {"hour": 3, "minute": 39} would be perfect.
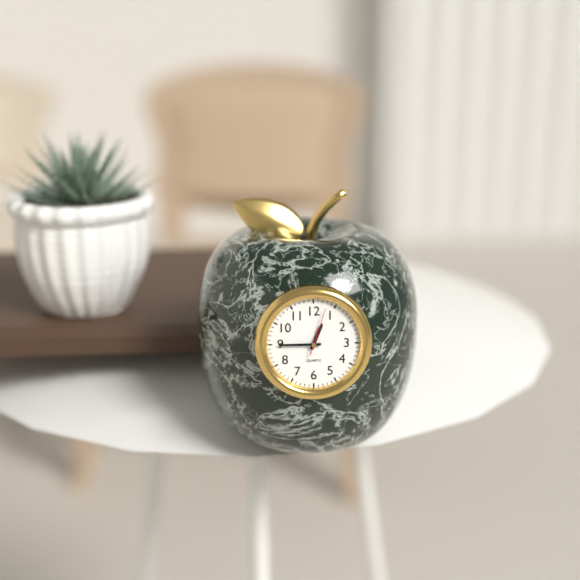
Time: {"hour": 12, "minute": 45}
